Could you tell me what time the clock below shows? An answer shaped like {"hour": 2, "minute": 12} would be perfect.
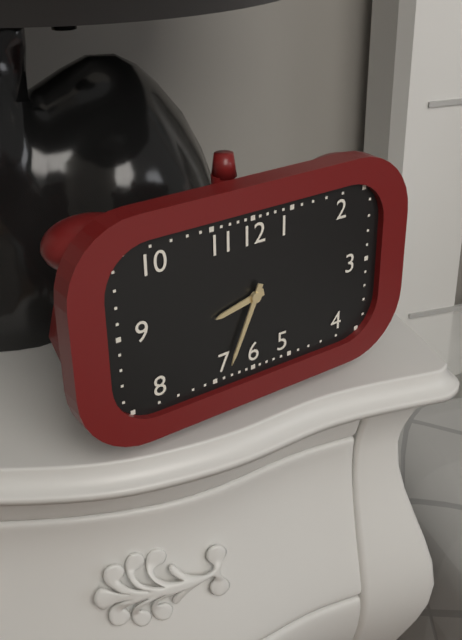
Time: {"hour": 8, "minute": 34}
